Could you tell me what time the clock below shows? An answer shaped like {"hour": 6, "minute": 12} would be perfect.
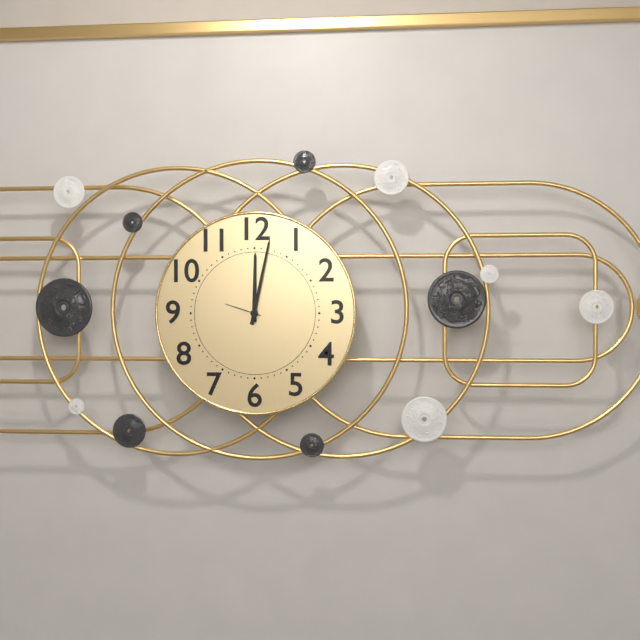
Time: {"hour": 12, "minute": 2}
